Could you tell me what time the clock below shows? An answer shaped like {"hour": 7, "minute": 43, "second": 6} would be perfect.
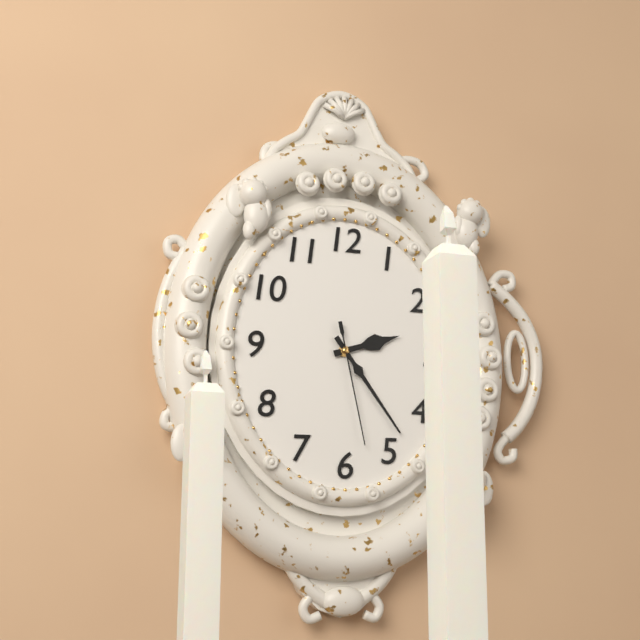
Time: {"hour": 2, "minute": 24, "second": 28}
